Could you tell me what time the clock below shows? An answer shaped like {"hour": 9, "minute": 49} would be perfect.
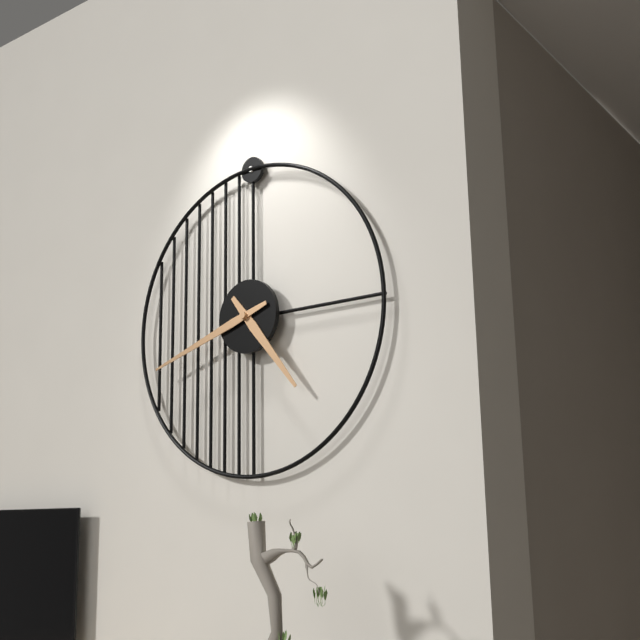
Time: {"hour": 4, "minute": 42}
